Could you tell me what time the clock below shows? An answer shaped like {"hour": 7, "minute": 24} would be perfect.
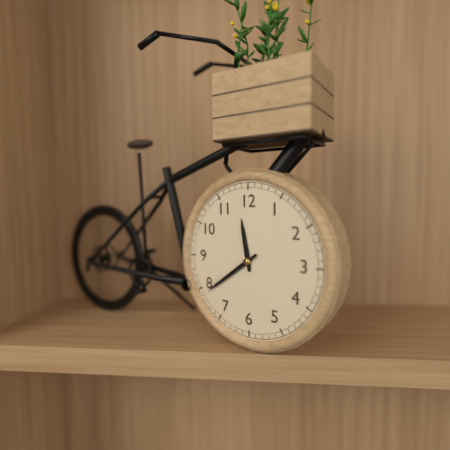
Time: {"hour": 11, "minute": 39}
